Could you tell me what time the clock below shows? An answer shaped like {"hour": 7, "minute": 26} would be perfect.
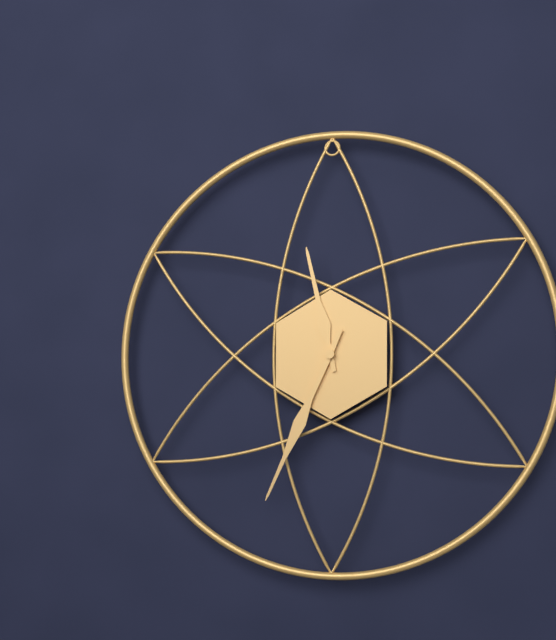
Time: {"hour": 11, "minute": 34}
